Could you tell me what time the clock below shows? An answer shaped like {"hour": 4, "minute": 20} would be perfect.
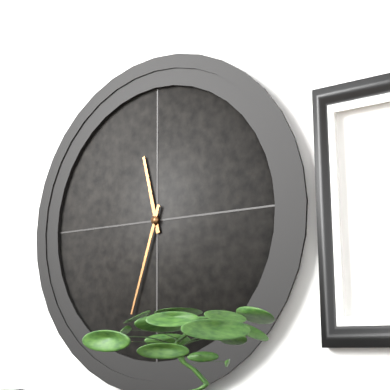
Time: {"hour": 11, "minute": 33}
